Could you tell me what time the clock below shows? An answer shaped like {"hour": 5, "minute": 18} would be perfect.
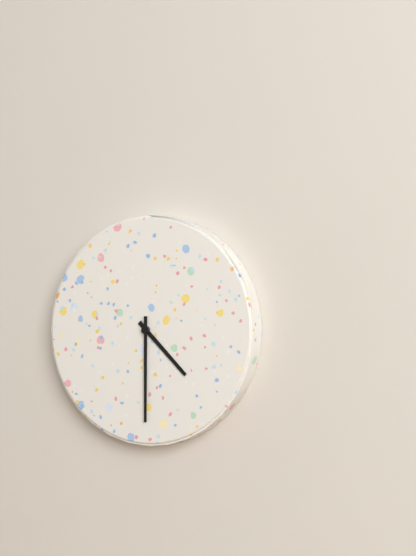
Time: {"hour": 4, "minute": 30}
